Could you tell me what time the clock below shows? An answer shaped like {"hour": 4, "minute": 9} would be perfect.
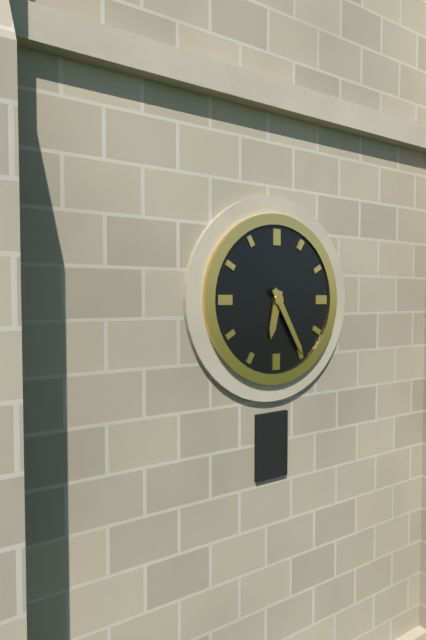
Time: {"hour": 6, "minute": 25}
